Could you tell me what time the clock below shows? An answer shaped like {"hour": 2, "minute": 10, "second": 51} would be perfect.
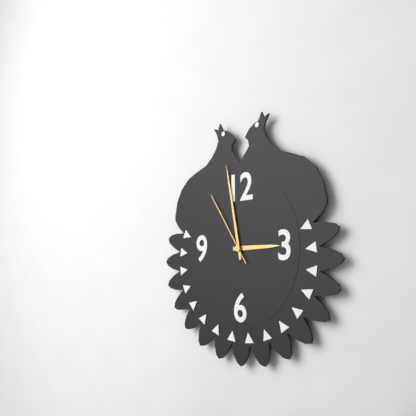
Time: {"hour": 2, "minute": 58, "second": 54}
